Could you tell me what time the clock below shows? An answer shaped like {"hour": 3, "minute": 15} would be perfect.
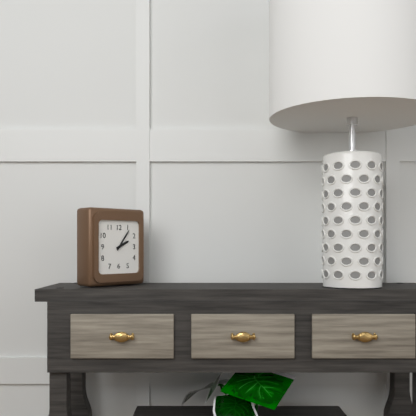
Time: {"hour": 2, "minute": 6}
